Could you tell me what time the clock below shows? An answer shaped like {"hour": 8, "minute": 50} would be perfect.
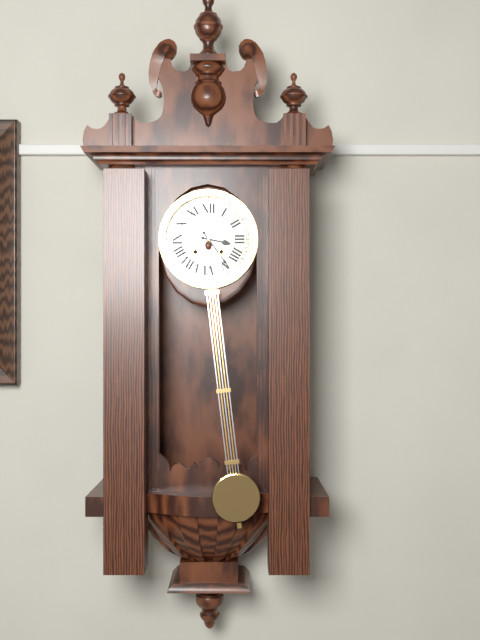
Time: {"hour": 3, "minute": 24}
